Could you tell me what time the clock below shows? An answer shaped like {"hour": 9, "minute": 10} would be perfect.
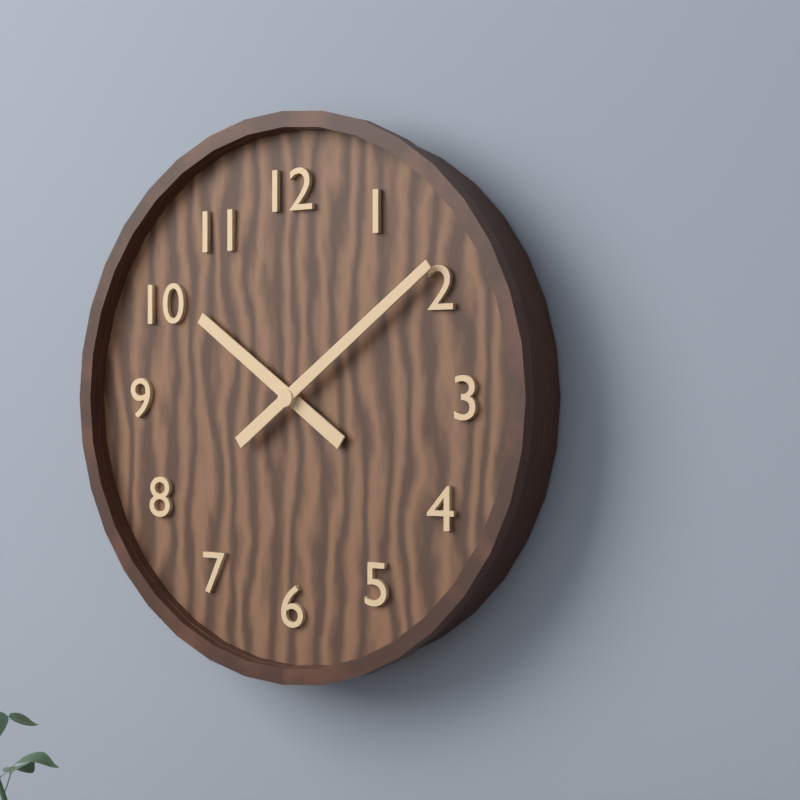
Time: {"hour": 10, "minute": 9}
